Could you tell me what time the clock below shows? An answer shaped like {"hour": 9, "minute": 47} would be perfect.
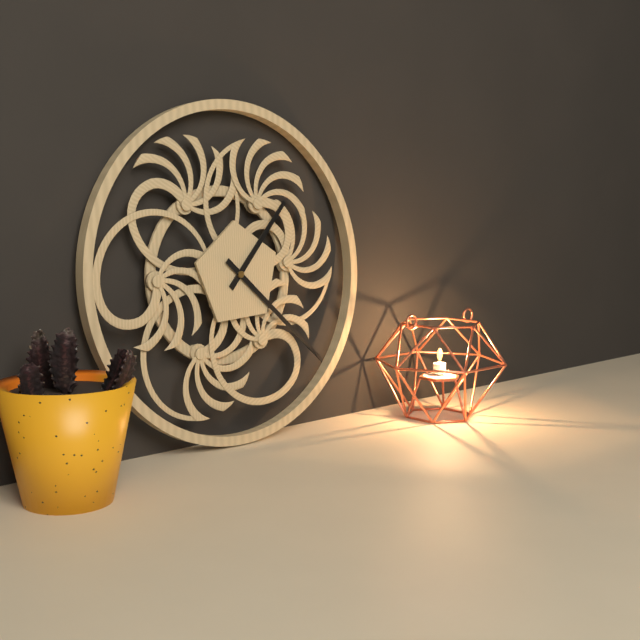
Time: {"hour": 1, "minute": 22}
